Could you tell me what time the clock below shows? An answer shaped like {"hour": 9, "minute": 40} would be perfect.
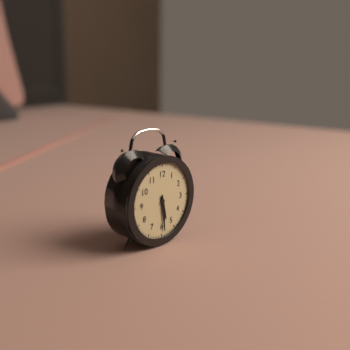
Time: {"hour": 5, "minute": 29}
